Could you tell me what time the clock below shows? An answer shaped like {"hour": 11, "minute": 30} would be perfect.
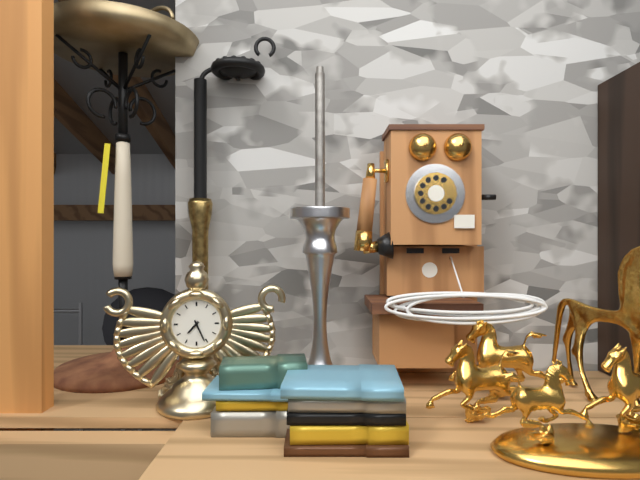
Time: {"hour": 7, "minute": 26}
